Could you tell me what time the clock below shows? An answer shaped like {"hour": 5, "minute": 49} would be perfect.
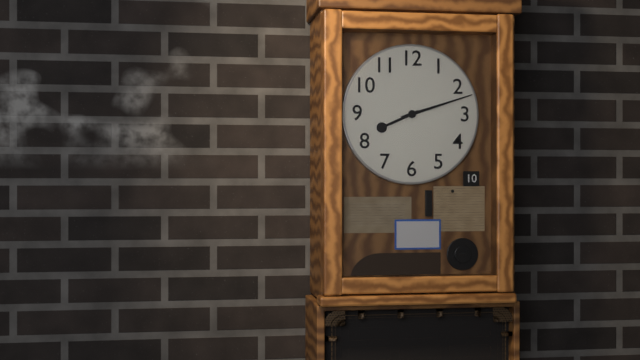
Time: {"hour": 8, "minute": 12}
